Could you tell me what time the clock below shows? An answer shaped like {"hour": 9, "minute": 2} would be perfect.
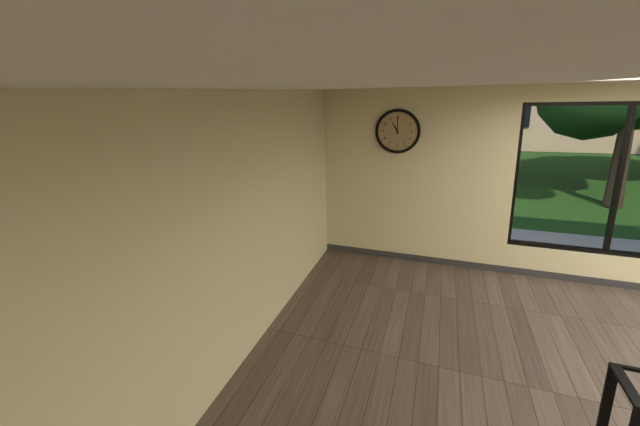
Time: {"hour": 11, "minute": 0}
